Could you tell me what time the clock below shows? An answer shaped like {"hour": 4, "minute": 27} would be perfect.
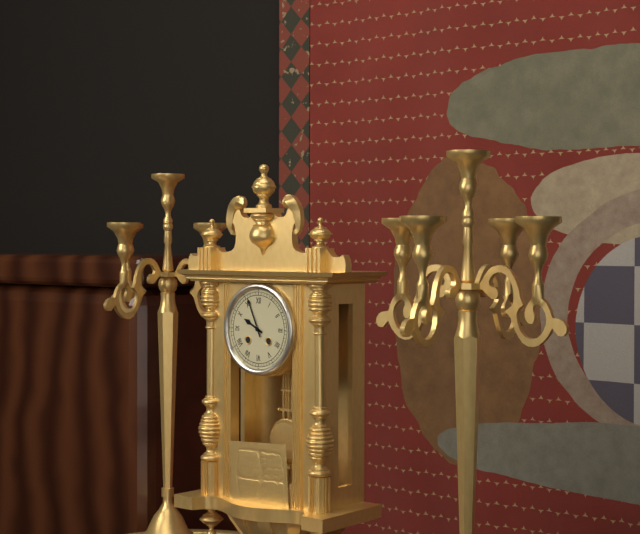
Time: {"hour": 9, "minute": 56}
